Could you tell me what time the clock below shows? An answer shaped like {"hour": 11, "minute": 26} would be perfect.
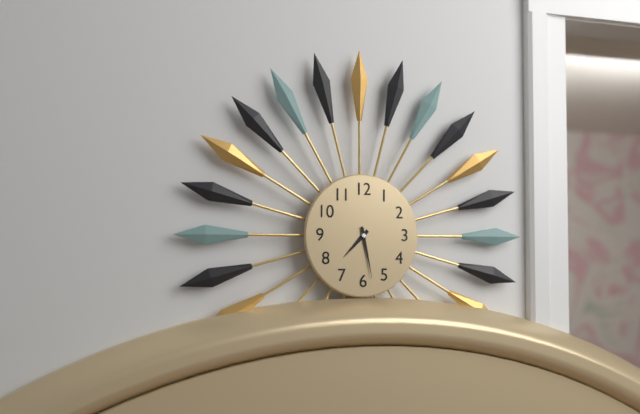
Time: {"hour": 7, "minute": 28}
